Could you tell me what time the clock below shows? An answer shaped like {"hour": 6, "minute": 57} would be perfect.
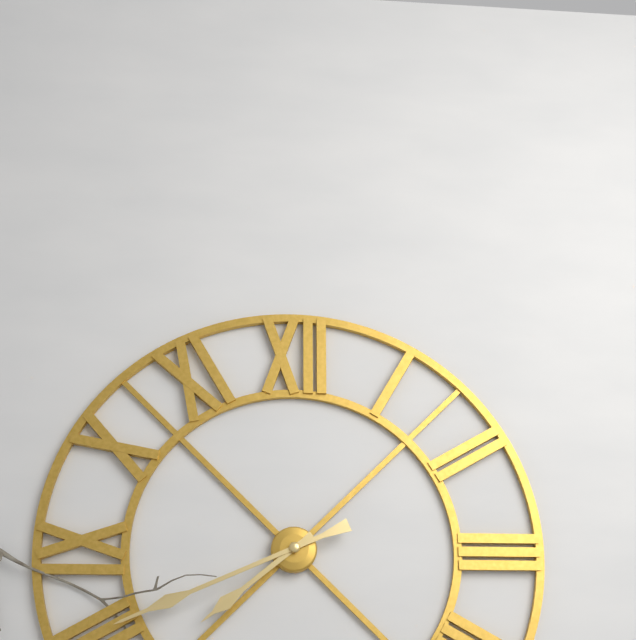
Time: {"hour": 7, "minute": 41}
